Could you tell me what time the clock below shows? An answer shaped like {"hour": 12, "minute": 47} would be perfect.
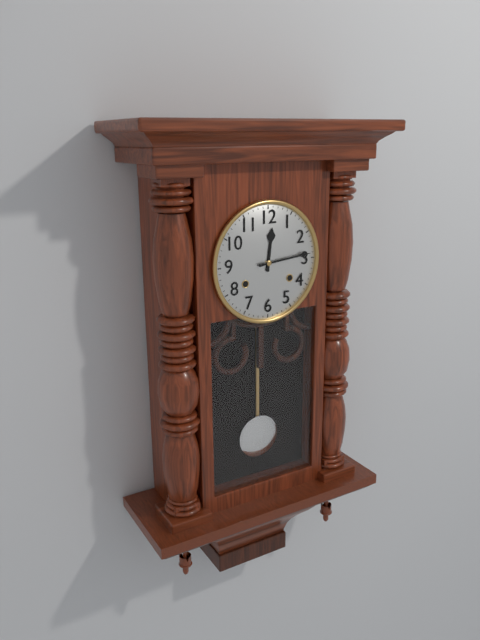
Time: {"hour": 12, "minute": 14}
